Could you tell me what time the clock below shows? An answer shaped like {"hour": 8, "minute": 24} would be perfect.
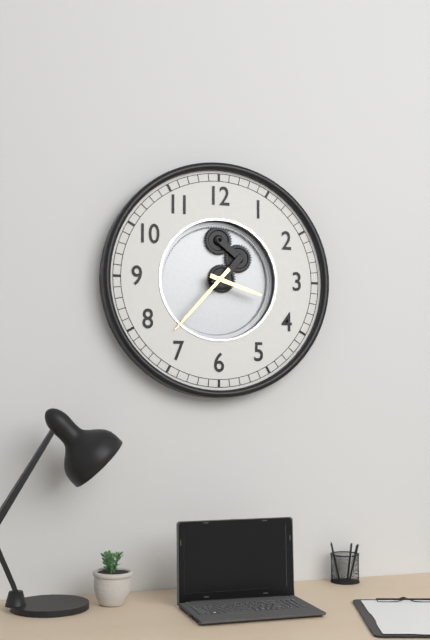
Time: {"hour": 3, "minute": 37}
